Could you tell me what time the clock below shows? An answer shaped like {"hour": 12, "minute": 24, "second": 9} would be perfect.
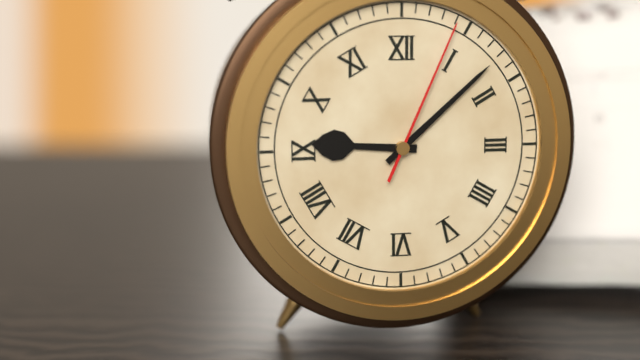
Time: {"hour": 9, "minute": 8, "second": 4}
